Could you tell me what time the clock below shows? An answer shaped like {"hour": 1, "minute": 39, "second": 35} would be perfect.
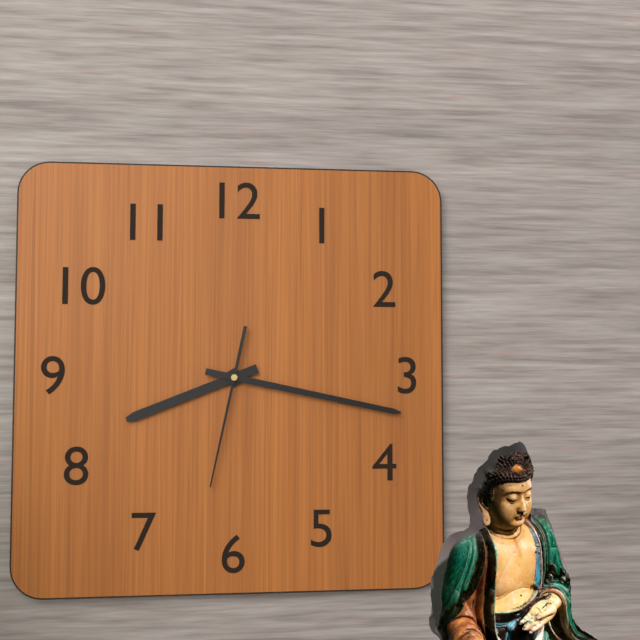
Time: {"hour": 8, "minute": 17, "second": 32}
